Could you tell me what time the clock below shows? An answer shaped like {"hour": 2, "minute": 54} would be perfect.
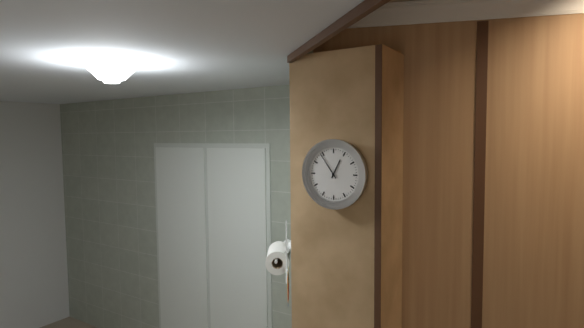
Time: {"hour": 12, "minute": 54}
